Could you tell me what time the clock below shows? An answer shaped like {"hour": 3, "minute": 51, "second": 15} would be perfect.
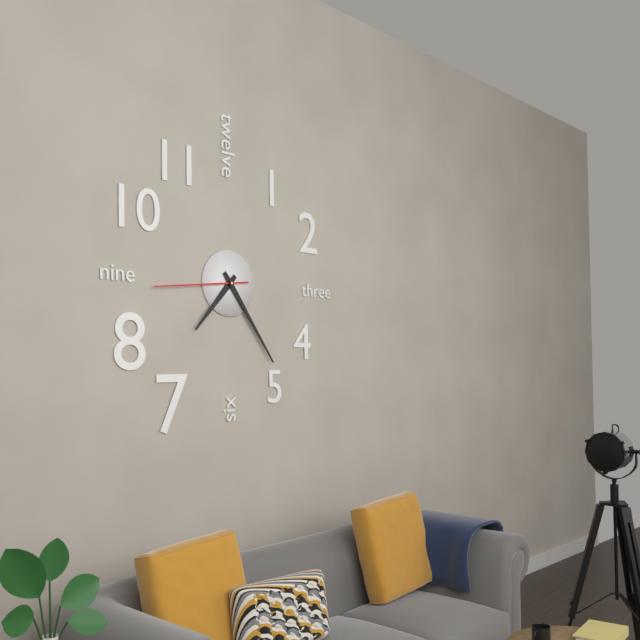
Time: {"hour": 7, "minute": 24, "second": 44}
